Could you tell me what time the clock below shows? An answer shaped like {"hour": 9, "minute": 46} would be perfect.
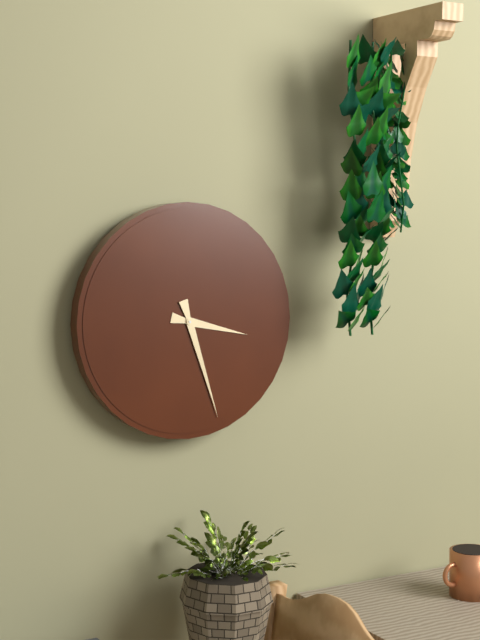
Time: {"hour": 3, "minute": 27}
